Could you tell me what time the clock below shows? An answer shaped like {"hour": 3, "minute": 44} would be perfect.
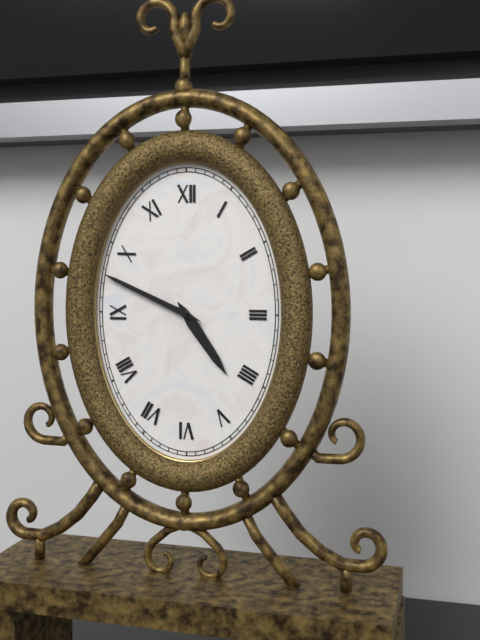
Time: {"hour": 4, "minute": 49}
